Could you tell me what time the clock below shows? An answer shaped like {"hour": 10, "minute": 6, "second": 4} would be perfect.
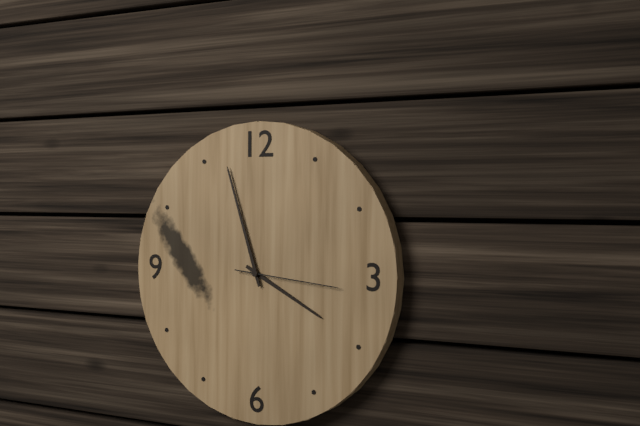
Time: {"hour": 3, "minute": 57, "second": 16}
